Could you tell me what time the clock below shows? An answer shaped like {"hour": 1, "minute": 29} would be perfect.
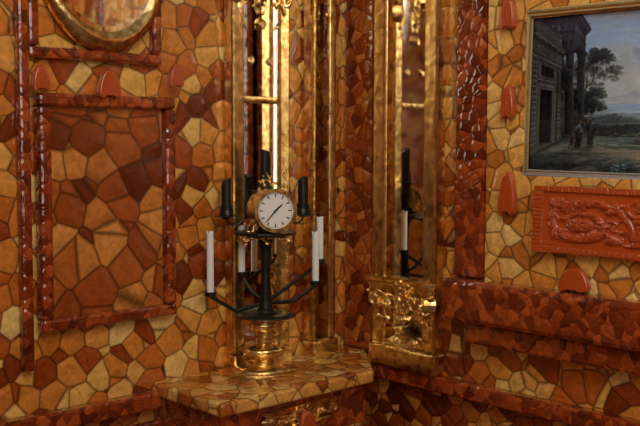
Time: {"hour": 1, "minute": 37}
